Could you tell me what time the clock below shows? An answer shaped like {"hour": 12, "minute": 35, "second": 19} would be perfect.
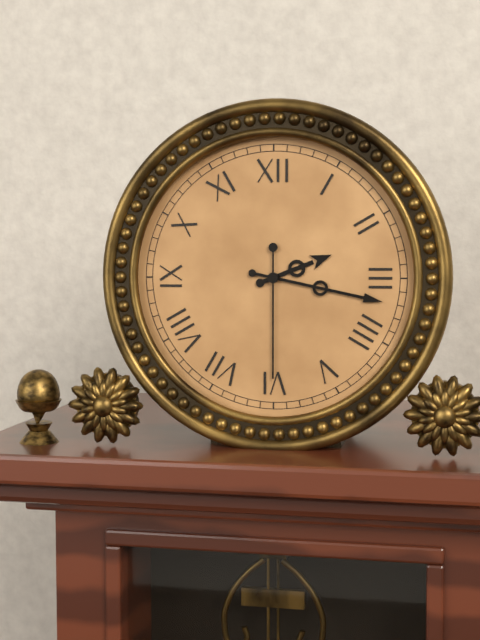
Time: {"hour": 2, "minute": 17, "second": 30}
